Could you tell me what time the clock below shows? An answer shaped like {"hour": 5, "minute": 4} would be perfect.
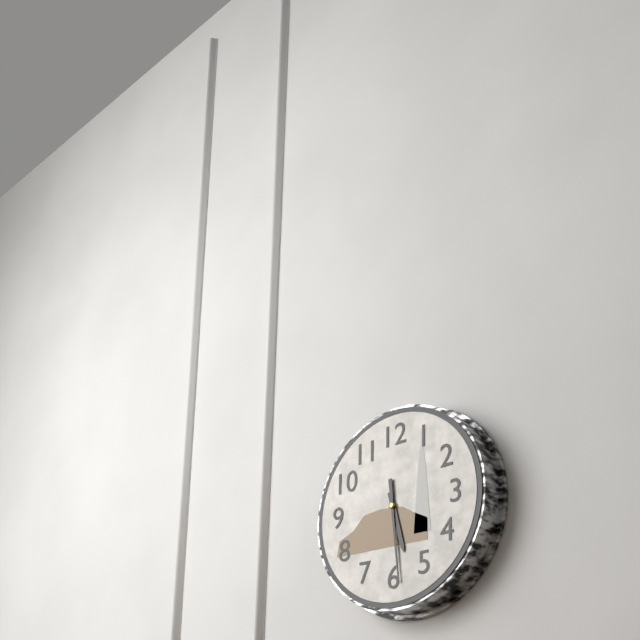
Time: {"hour": 5, "minute": 29}
